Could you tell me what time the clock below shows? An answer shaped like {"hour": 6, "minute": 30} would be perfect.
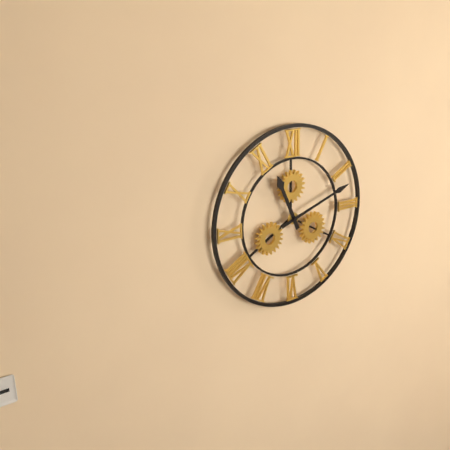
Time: {"hour": 11, "minute": 12}
